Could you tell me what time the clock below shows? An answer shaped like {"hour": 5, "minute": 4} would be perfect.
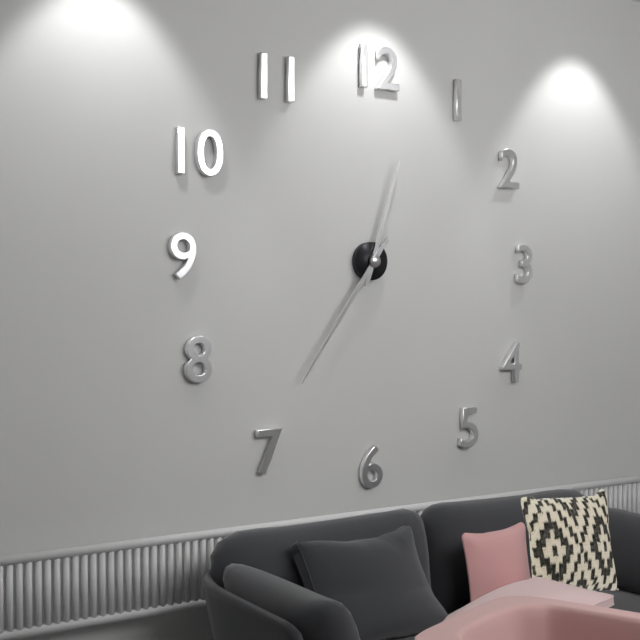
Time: {"hour": 12, "minute": 36}
